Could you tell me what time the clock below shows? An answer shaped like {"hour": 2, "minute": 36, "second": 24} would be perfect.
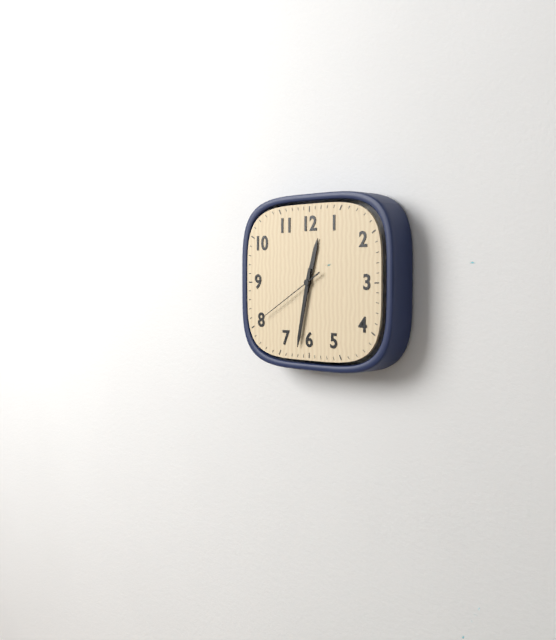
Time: {"hour": 12, "minute": 32, "second": 40}
